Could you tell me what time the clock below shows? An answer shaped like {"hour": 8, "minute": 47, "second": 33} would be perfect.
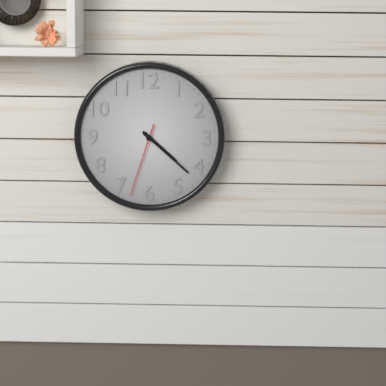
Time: {"hour": 4, "minute": 22, "second": 33}
